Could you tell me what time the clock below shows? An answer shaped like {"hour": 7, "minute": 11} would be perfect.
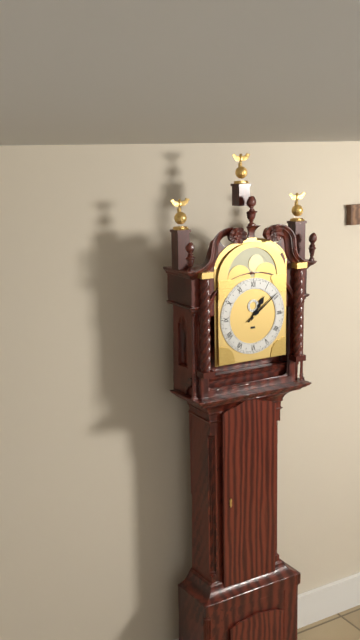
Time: {"hour": 1, "minute": 9}
